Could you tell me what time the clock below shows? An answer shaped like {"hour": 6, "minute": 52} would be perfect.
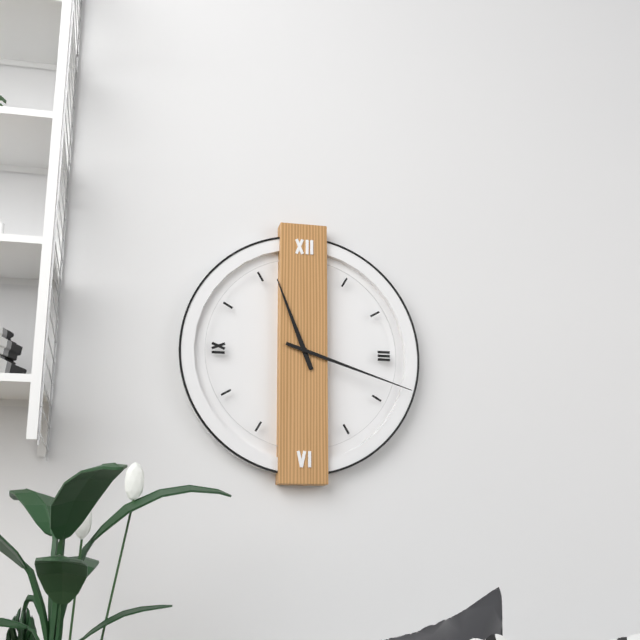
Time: {"hour": 11, "minute": 18}
